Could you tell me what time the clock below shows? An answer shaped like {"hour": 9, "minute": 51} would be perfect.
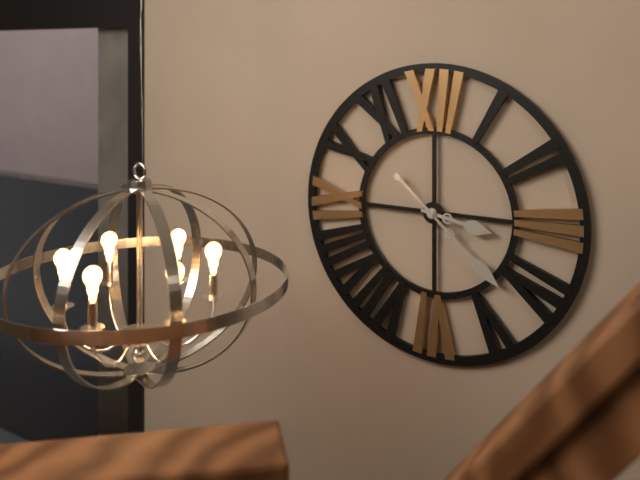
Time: {"hour": 3, "minute": 22}
